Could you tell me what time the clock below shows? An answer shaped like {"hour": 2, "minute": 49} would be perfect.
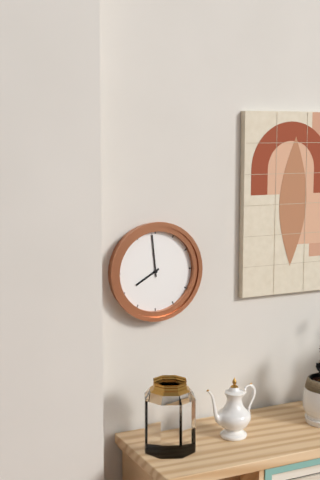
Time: {"hour": 7, "minute": 59}
